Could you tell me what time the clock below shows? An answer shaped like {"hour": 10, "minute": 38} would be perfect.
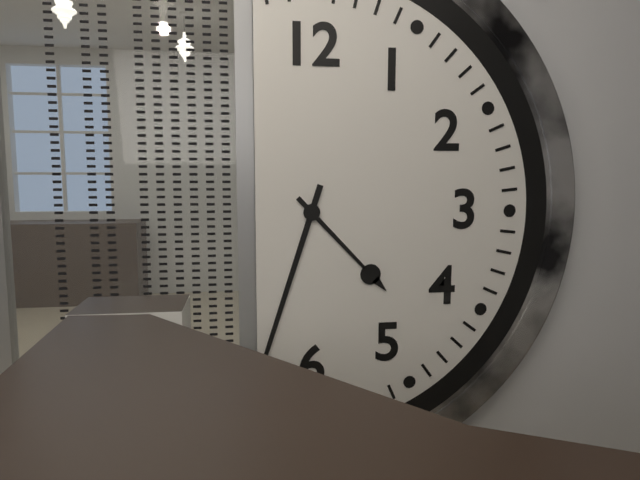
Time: {"hour": 4, "minute": 33}
